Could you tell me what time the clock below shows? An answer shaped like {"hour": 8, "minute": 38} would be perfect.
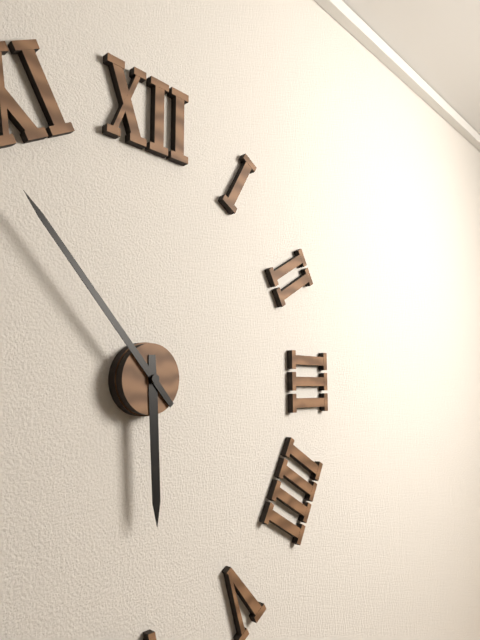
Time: {"hour": 5, "minute": 53}
